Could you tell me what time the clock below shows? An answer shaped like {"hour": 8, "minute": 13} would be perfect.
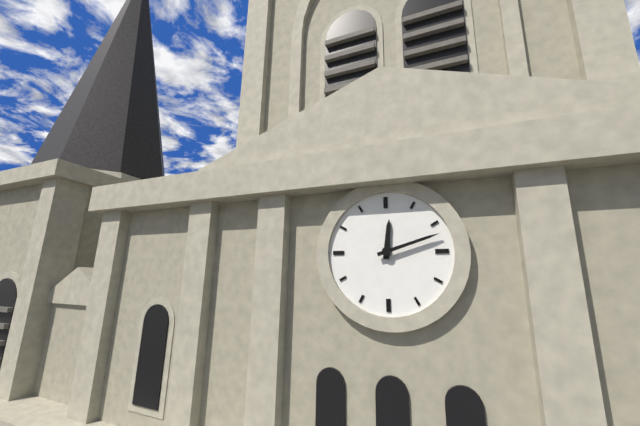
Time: {"hour": 12, "minute": 12}
